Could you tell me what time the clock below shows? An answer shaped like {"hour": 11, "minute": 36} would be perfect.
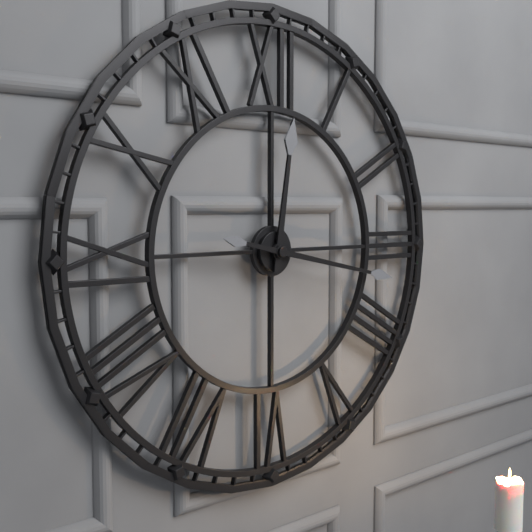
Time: {"hour": 12, "minute": 17}
